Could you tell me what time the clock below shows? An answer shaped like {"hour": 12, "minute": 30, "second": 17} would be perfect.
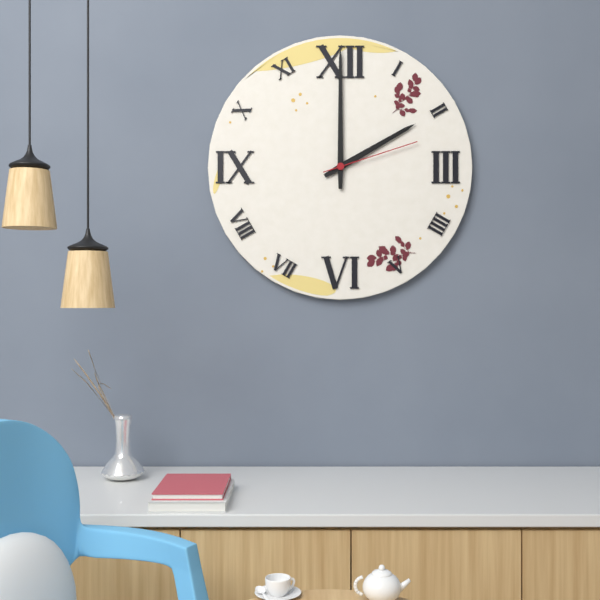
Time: {"hour": 2, "minute": 0, "second": 12}
